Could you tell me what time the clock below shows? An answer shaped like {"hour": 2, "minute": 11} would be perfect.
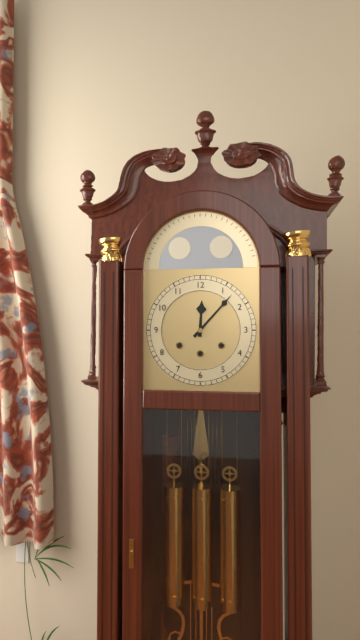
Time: {"hour": 12, "minute": 7}
